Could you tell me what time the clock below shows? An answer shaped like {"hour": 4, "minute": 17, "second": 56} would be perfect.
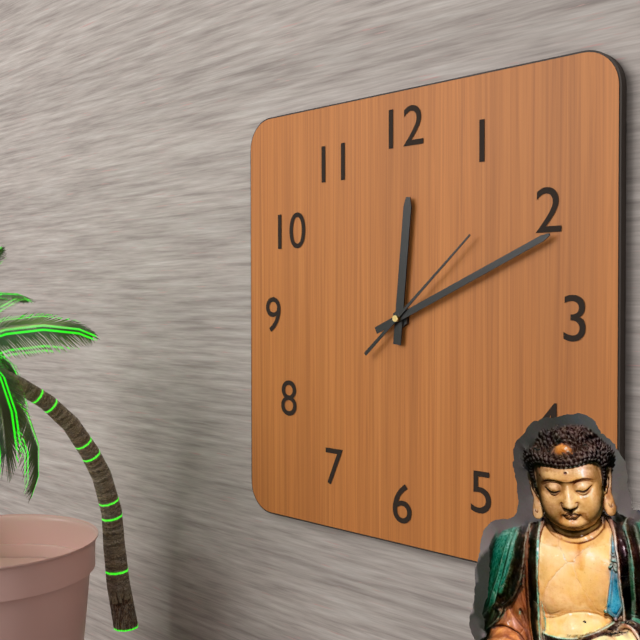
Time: {"hour": 12, "minute": 11, "second": 8}
